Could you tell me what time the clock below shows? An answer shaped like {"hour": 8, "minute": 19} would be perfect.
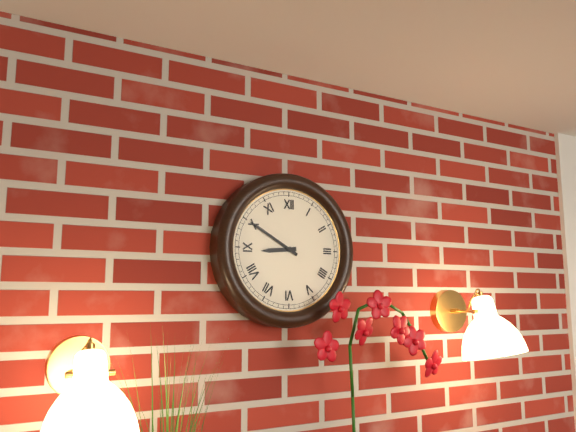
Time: {"hour": 8, "minute": 50}
